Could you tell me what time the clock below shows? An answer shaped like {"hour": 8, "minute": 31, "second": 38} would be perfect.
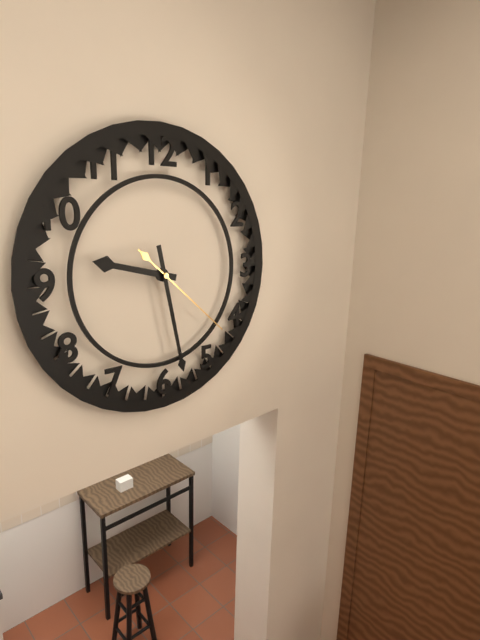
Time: {"hour": 9, "minute": 28, "second": 22}
